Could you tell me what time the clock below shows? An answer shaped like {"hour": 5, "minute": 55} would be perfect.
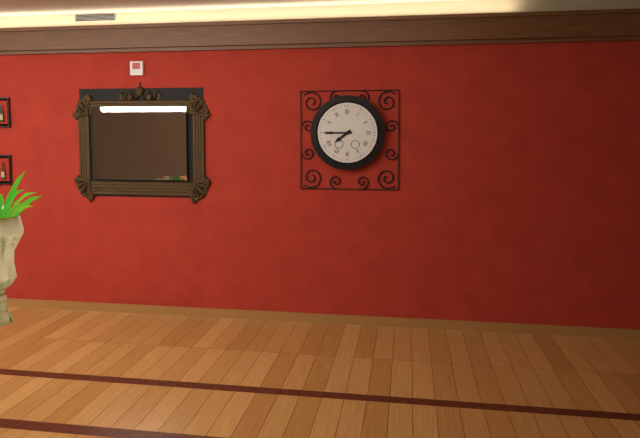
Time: {"hour": 7, "minute": 45}
